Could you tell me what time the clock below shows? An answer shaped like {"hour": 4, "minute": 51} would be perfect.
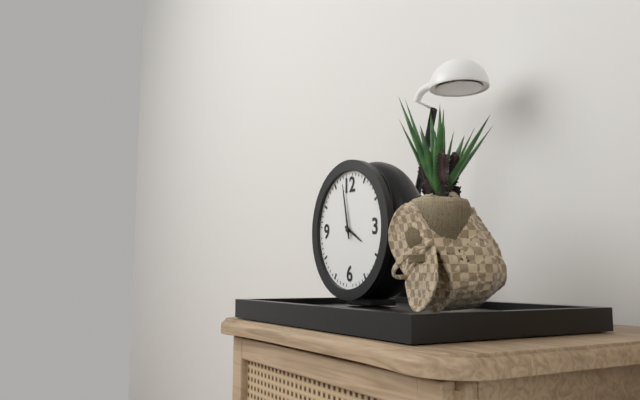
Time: {"hour": 3, "minute": 58}
